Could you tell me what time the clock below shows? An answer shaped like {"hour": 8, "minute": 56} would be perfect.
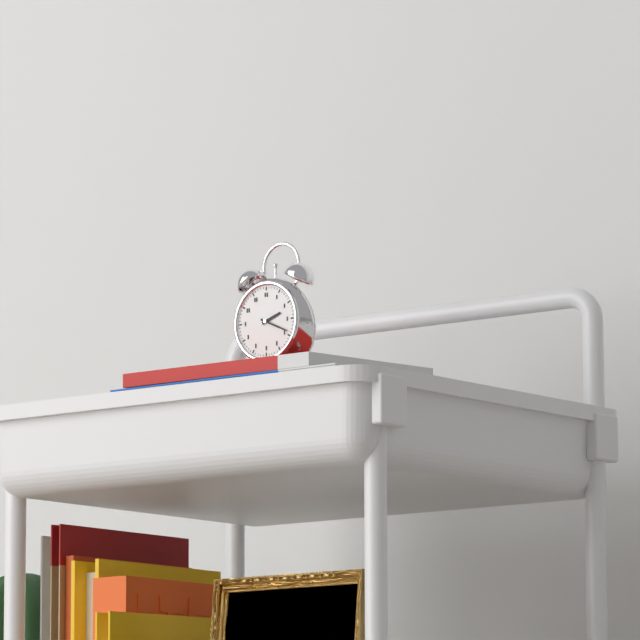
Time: {"hour": 2, "minute": 19}
